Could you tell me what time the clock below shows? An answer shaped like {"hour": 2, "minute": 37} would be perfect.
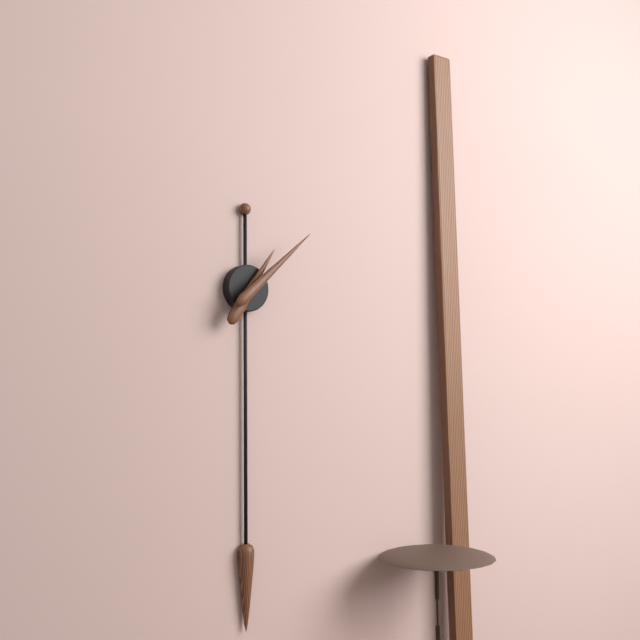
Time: {"hour": 1, "minute": 8}
